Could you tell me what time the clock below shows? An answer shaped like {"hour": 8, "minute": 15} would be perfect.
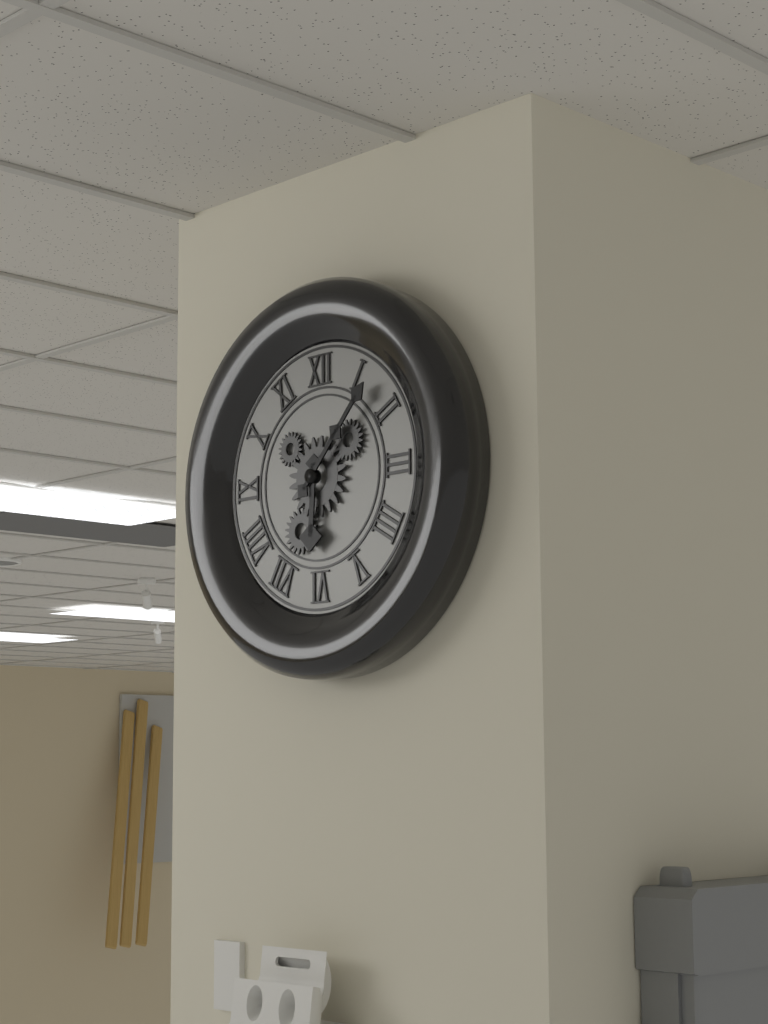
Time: {"hour": 6, "minute": 7}
